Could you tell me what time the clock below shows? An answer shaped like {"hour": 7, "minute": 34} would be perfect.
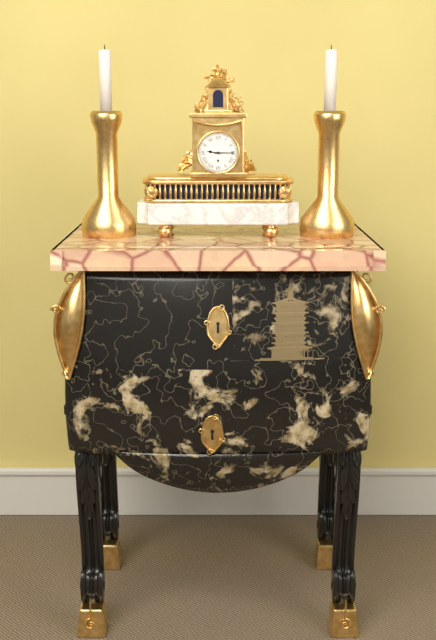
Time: {"hour": 9, "minute": 15}
